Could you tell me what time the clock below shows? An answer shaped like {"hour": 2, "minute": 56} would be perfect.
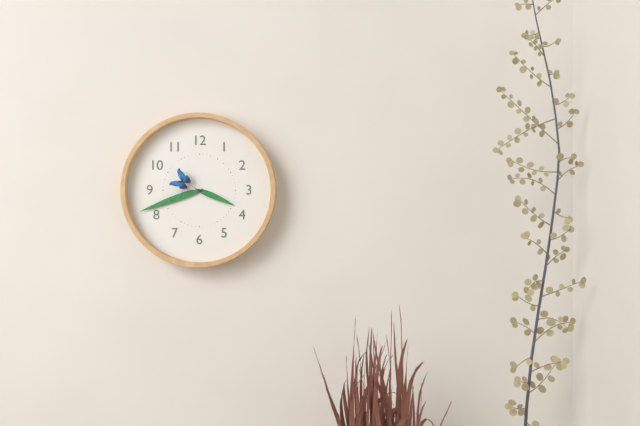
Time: {"hour": 3, "minute": 42}
